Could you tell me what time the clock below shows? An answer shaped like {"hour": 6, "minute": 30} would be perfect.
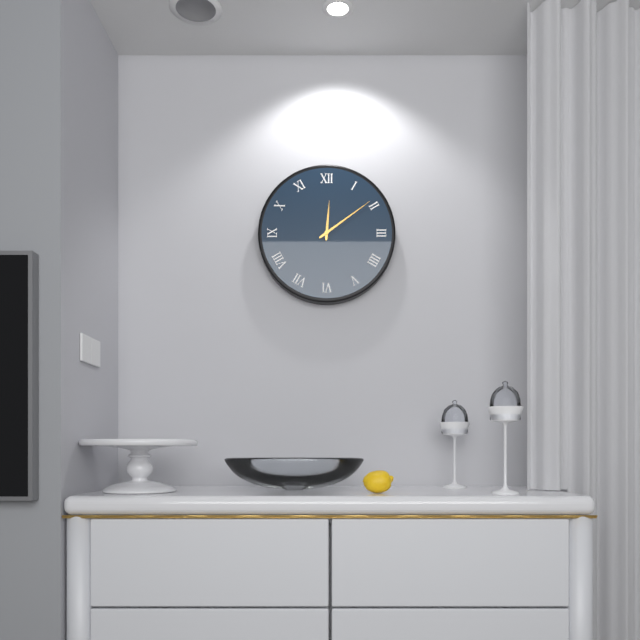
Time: {"hour": 12, "minute": 9}
